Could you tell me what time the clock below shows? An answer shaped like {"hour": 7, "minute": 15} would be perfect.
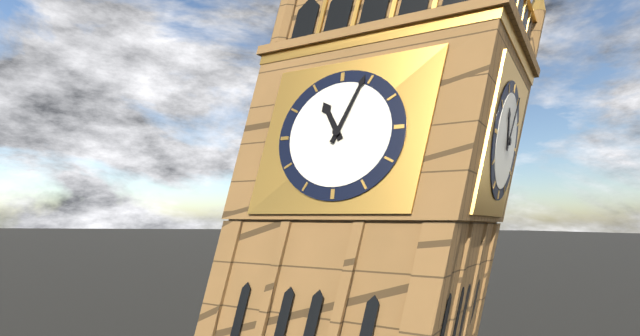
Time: {"hour": 11, "minute": 4}
